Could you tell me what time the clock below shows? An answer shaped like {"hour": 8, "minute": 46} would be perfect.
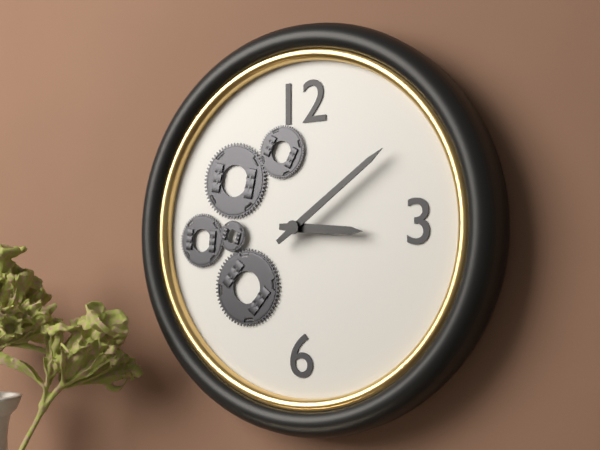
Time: {"hour": 3, "minute": 9}
